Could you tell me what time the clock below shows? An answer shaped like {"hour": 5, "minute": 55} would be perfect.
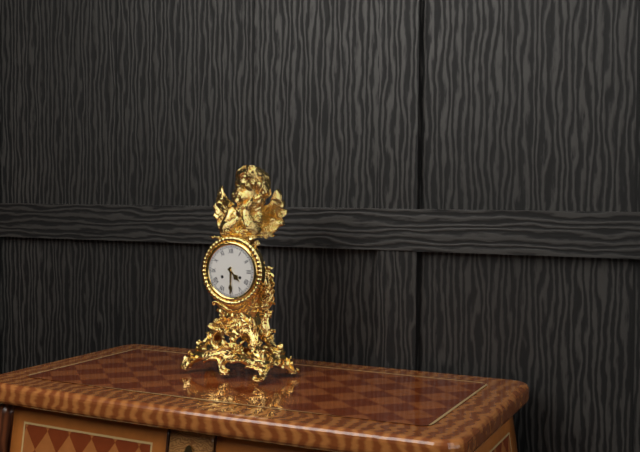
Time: {"hour": 4, "minute": 30}
